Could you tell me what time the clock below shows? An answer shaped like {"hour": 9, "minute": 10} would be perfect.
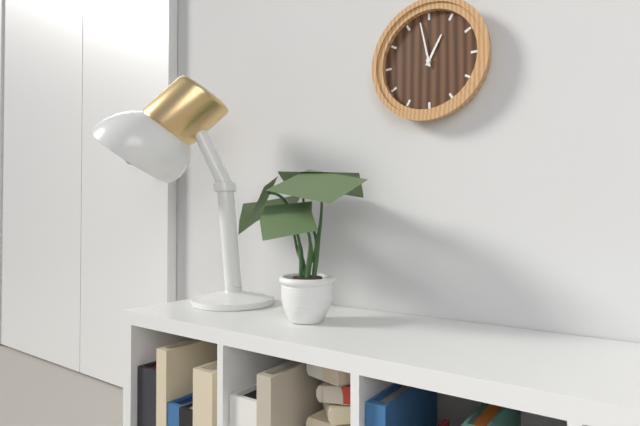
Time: {"hour": 12, "minute": 58}
